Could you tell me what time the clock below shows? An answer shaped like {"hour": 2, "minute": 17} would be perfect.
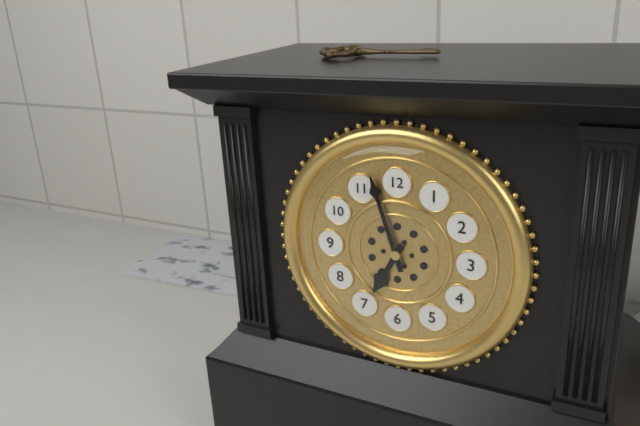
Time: {"hour": 6, "minute": 57}
